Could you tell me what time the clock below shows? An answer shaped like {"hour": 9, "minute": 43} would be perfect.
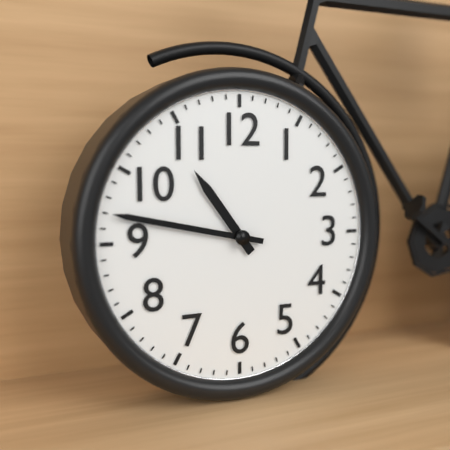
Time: {"hour": 10, "minute": 47}
